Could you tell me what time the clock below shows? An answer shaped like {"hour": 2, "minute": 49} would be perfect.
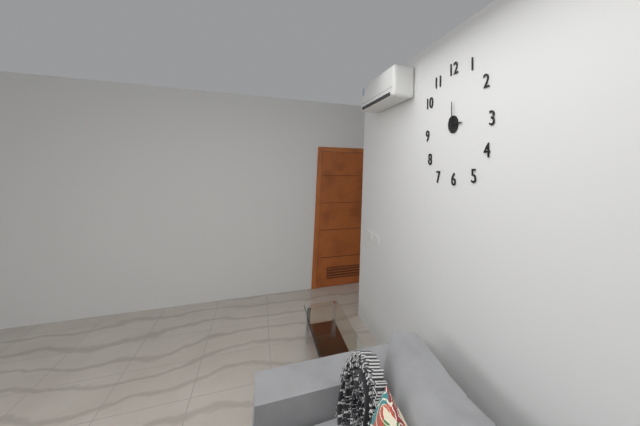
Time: {"hour": 3, "minute": 0}
